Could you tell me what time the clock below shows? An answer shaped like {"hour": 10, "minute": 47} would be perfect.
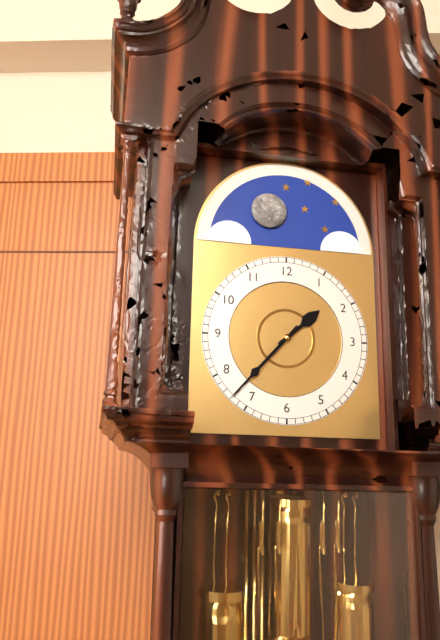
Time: {"hour": 1, "minute": 37}
